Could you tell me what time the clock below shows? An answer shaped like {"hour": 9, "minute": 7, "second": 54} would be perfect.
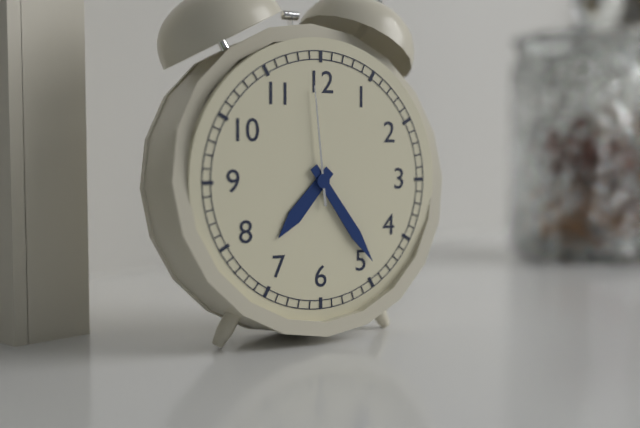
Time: {"hour": 7, "minute": 24, "second": 59}
